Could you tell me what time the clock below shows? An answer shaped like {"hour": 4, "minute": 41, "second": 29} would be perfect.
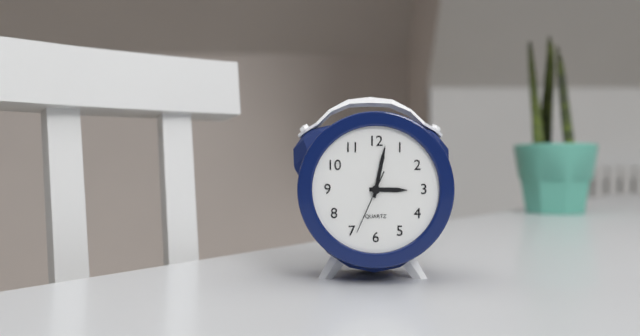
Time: {"hour": 3, "minute": 2, "second": 34}
